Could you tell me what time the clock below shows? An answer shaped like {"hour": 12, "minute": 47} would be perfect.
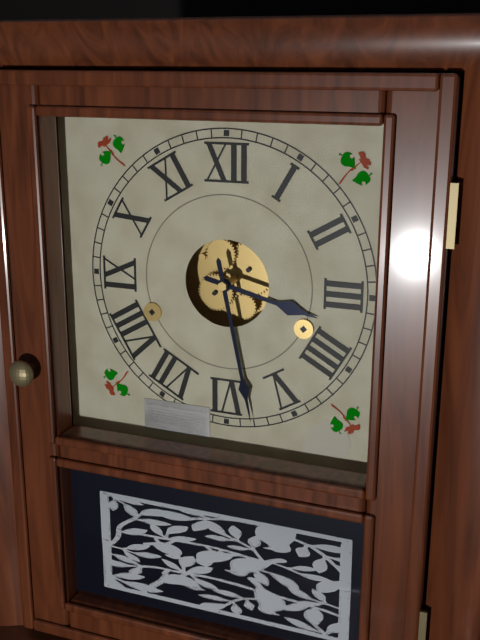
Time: {"hour": 3, "minute": 28}
